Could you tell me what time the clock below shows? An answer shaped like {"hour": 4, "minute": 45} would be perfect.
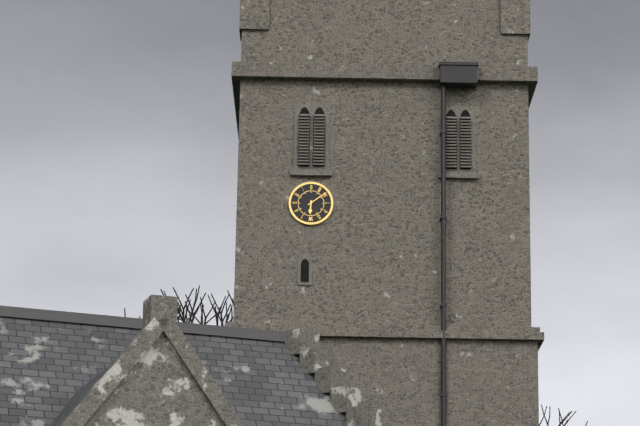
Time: {"hour": 6, "minute": 9}
